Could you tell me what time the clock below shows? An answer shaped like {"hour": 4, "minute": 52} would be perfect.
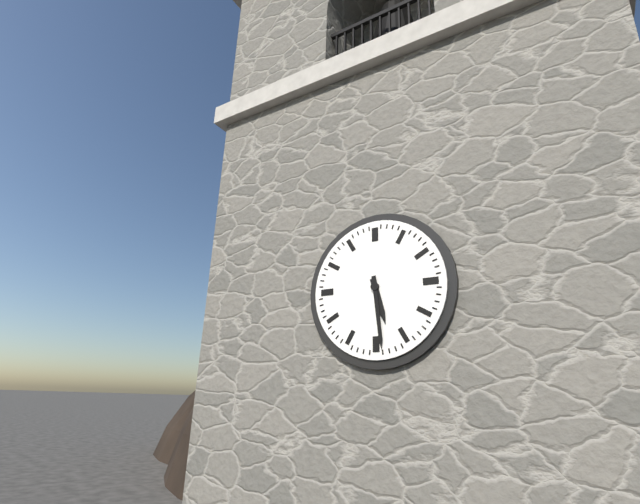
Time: {"hour": 5, "minute": 29}
